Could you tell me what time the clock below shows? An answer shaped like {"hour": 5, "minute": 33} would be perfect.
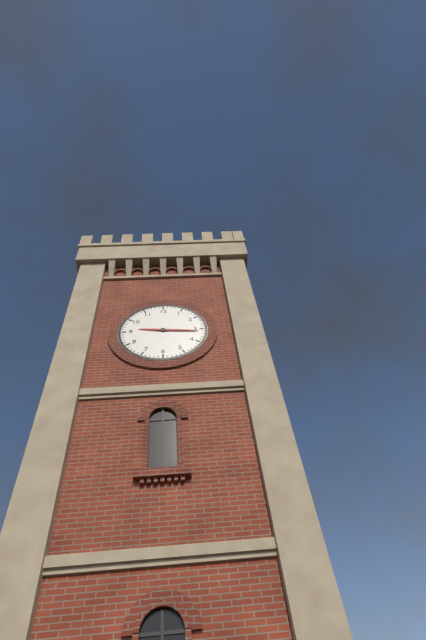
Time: {"hour": 9, "minute": 16}
